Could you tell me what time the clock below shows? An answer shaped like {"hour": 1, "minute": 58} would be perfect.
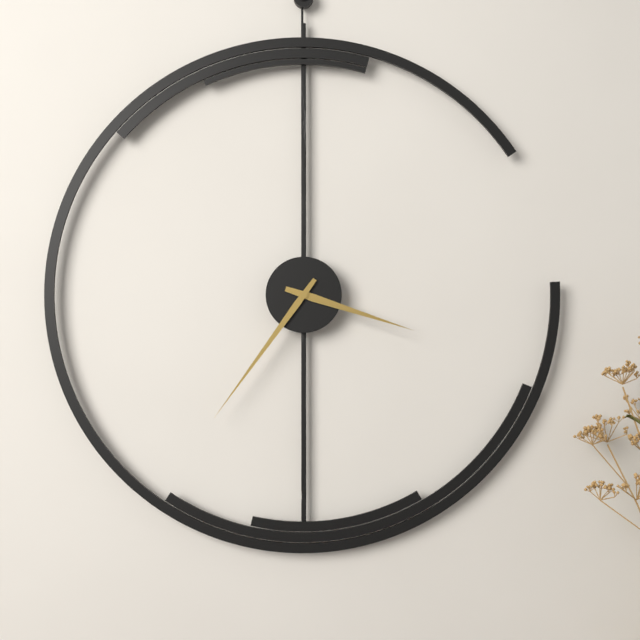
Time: {"hour": 3, "minute": 36}
